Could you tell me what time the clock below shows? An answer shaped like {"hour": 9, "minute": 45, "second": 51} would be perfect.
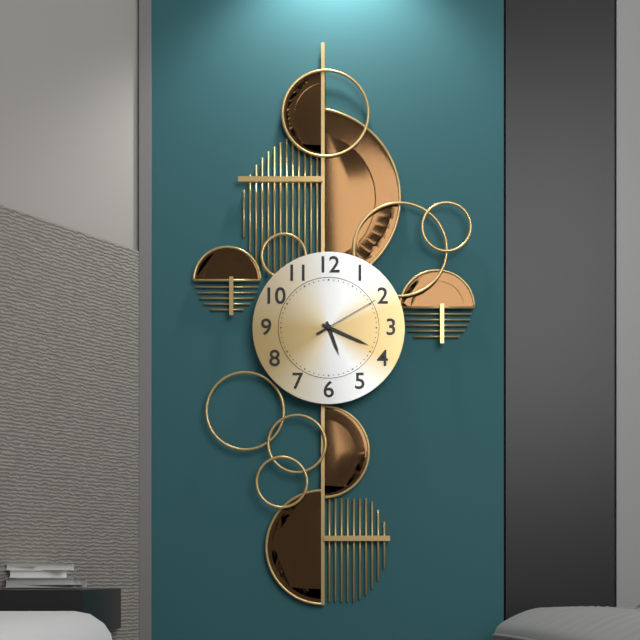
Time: {"hour": 5, "minute": 19, "second": 10}
